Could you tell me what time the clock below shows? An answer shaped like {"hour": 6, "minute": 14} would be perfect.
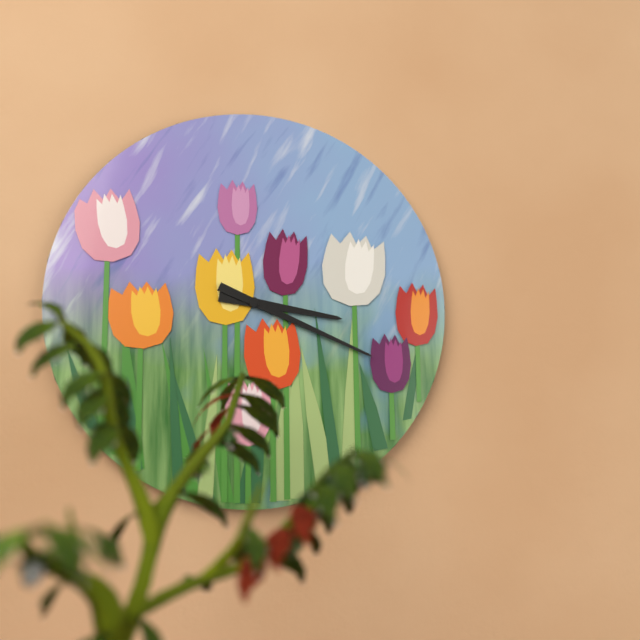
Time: {"hour": 3, "minute": 19}
